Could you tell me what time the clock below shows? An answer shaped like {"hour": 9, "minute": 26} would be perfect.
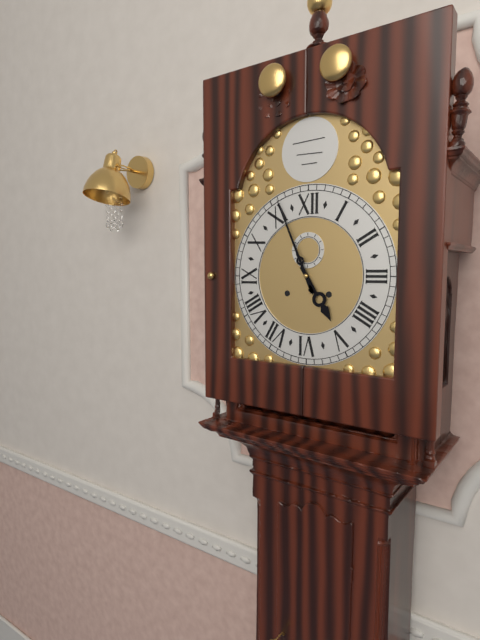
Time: {"hour": 4, "minute": 56}
